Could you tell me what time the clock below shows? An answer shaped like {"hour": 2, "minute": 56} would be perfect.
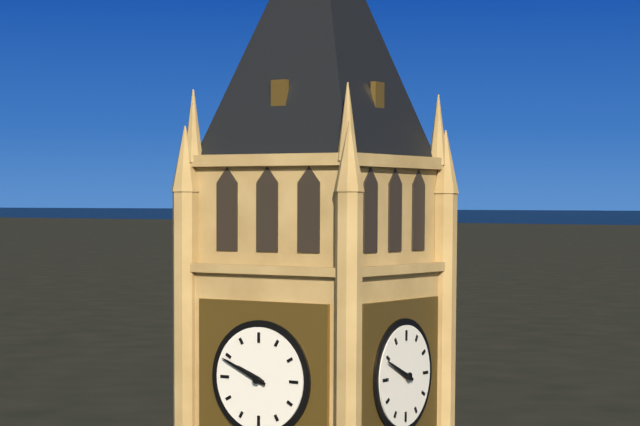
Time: {"hour": 9, "minute": 49}
